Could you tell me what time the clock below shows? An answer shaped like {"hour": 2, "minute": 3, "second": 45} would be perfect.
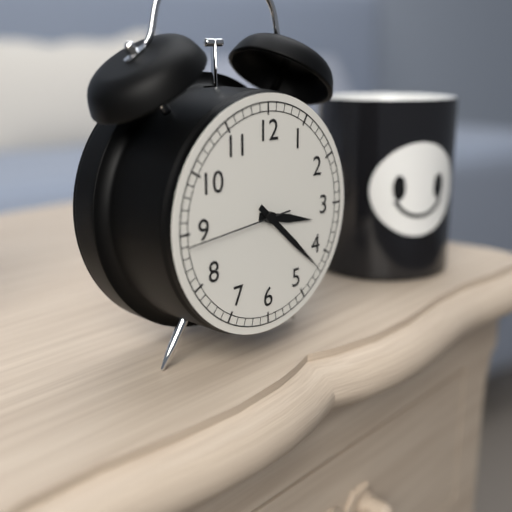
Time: {"hour": 3, "minute": 22, "second": 44}
